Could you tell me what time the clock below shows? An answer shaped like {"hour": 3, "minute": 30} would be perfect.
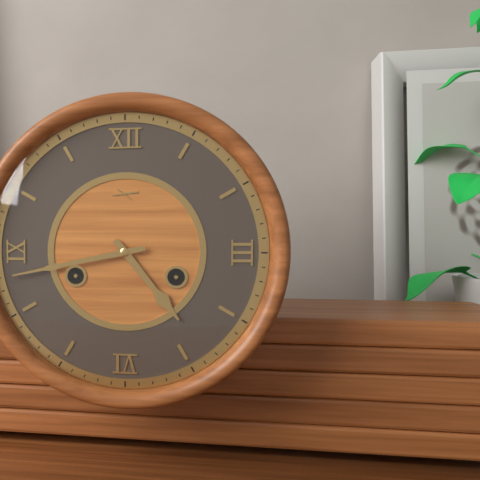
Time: {"hour": 4, "minute": 43}
